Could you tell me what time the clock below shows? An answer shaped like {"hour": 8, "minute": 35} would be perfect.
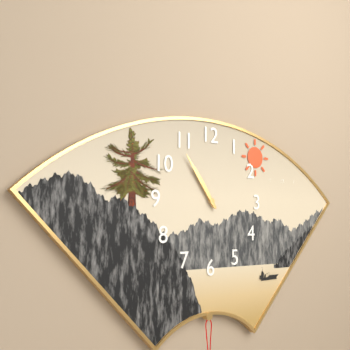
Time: {"hour": 10, "minute": 54}
